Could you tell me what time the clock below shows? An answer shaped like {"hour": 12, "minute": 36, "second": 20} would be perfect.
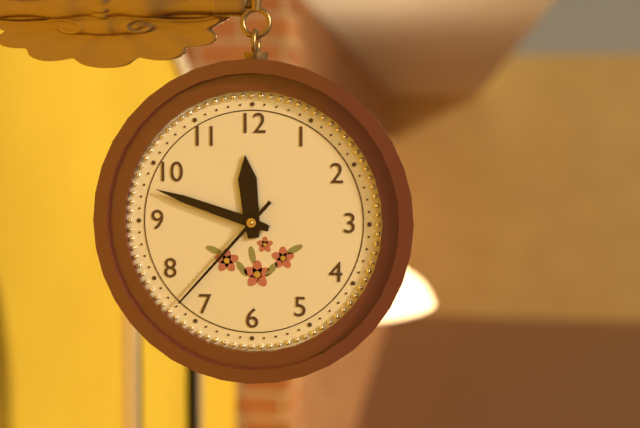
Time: {"hour": 11, "minute": 48, "second": 37}
